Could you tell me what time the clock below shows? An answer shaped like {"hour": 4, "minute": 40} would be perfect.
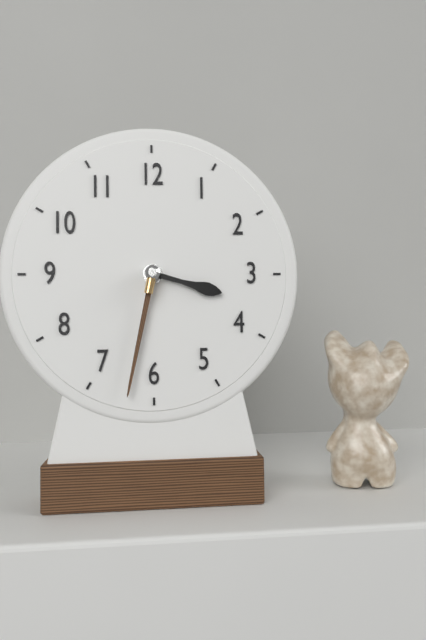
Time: {"hour": 3, "minute": 32}
